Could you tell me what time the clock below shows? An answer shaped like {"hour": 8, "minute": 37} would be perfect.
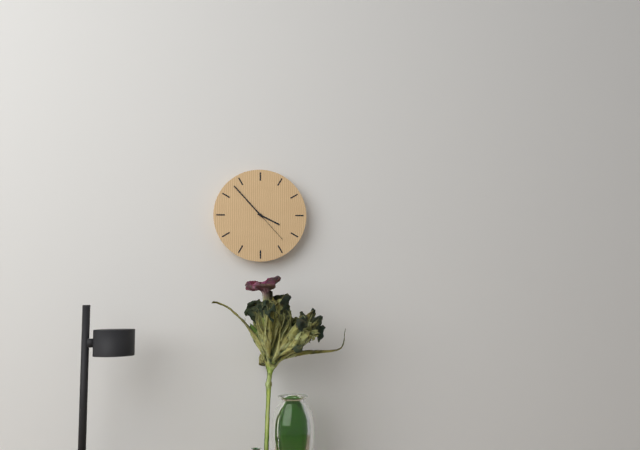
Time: {"hour": 3, "minute": 53}
